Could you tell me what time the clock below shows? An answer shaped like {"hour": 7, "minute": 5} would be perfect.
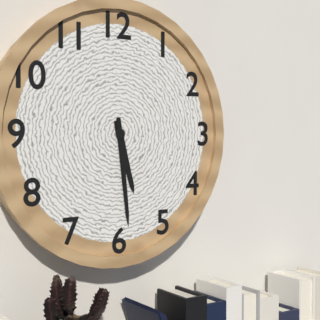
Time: {"hour": 5, "minute": 29}
